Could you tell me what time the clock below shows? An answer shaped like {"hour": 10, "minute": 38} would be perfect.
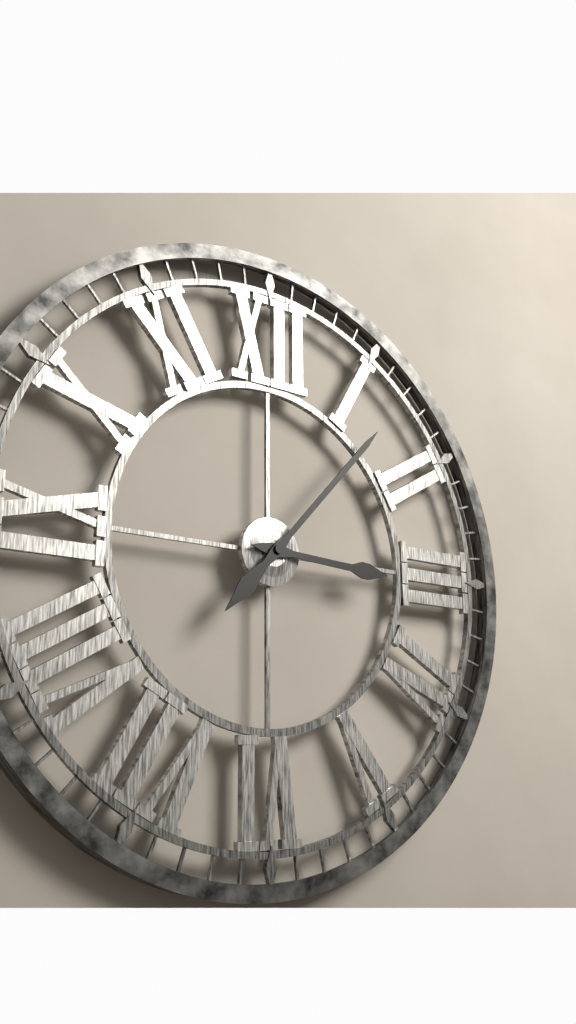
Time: {"hour": 3, "minute": 7}
